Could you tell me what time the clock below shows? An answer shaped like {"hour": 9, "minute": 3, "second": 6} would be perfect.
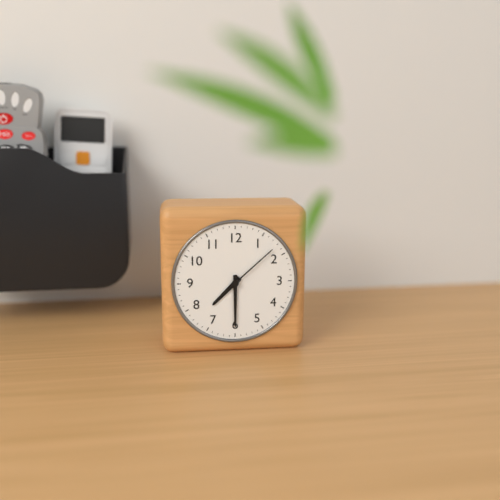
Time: {"hour": 7, "minute": 30, "second": 8}
